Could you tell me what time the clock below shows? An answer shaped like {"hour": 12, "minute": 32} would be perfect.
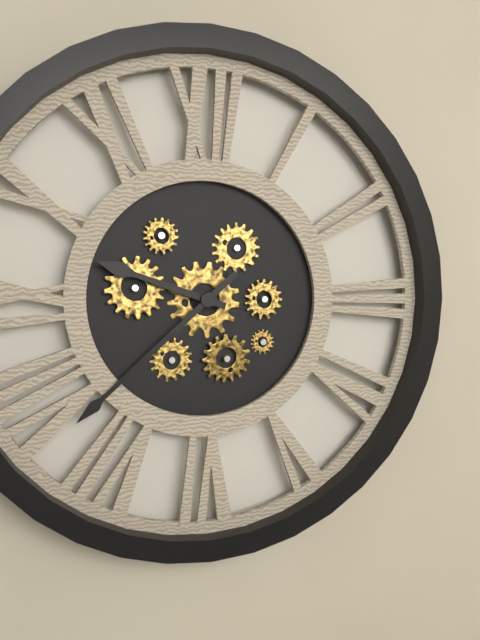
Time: {"hour": 9, "minute": 38}
